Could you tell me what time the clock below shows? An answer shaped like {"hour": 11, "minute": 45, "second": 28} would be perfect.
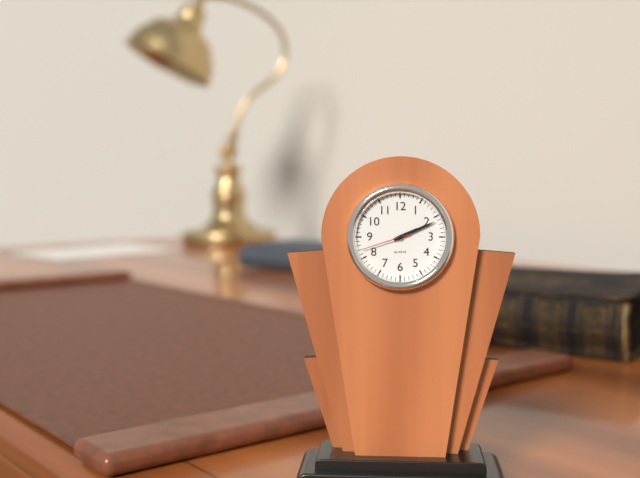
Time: {"hour": 2, "minute": 11, "second": 42}
